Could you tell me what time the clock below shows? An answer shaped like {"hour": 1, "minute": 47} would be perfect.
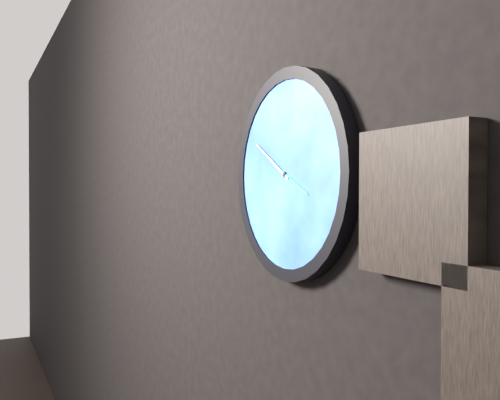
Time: {"hour": 3, "minute": 50}
